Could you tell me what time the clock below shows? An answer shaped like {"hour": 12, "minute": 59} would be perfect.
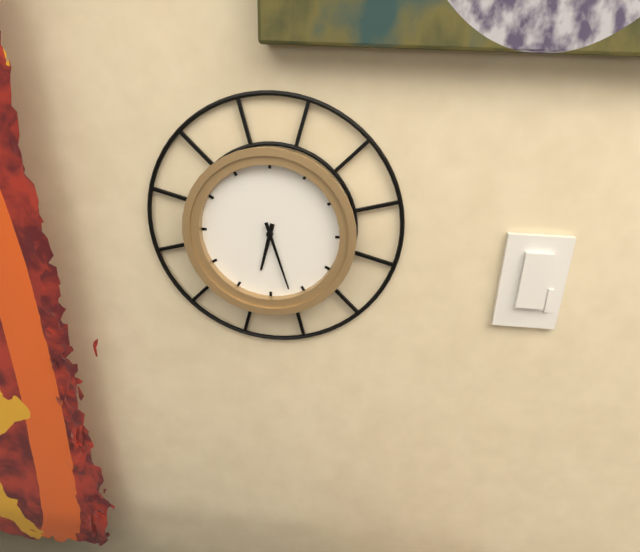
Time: {"hour": 6, "minute": 27}
